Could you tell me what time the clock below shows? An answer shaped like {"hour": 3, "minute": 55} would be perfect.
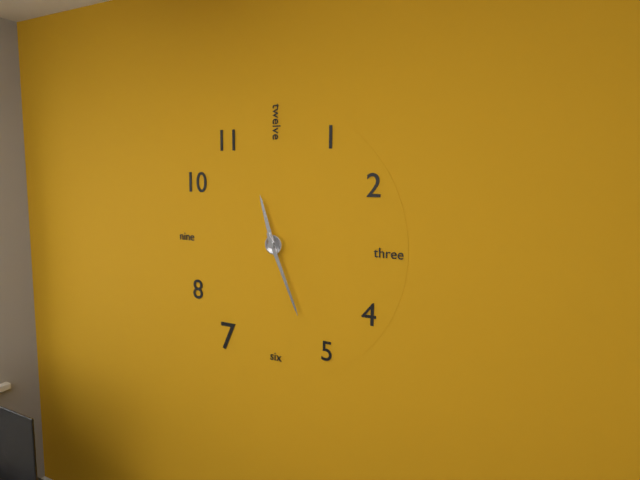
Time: {"hour": 11, "minute": 26}
